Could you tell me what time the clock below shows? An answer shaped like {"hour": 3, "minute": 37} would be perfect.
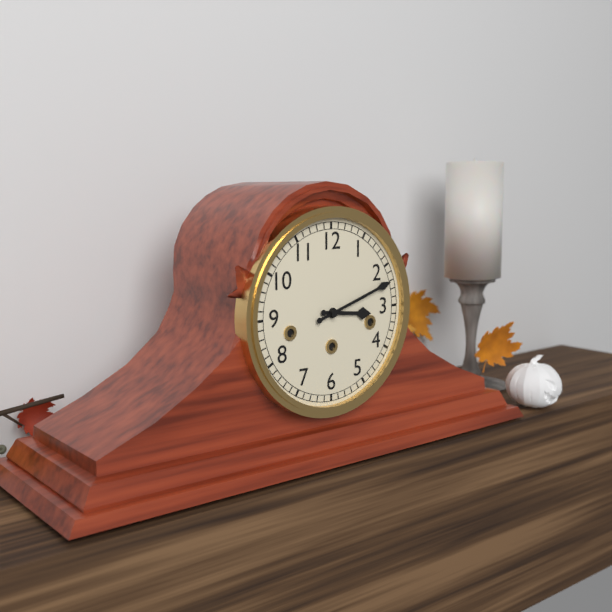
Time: {"hour": 3, "minute": 12}
